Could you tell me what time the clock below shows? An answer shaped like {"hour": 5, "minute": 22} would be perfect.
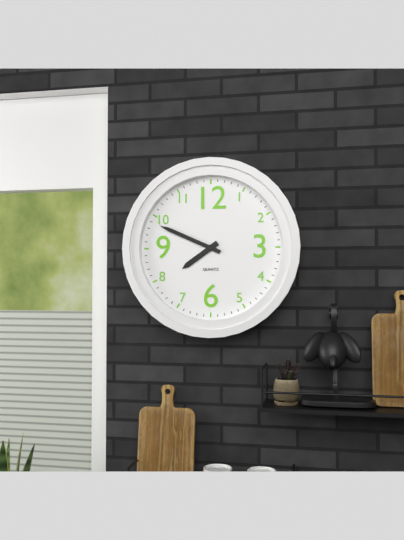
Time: {"hour": 7, "minute": 49}
